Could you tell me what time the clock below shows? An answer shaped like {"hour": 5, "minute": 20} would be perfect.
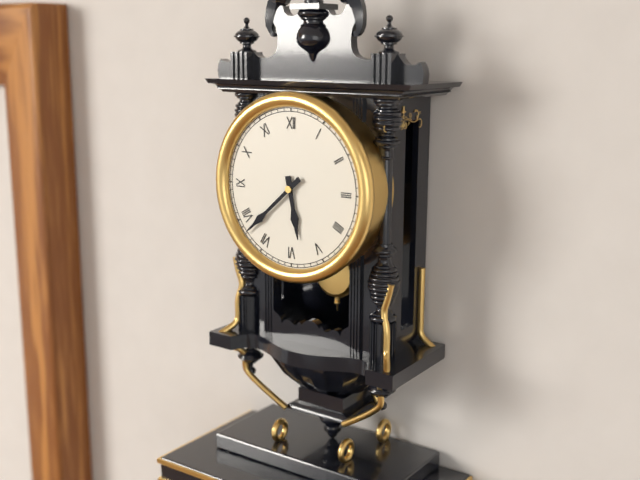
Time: {"hour": 5, "minute": 38}
